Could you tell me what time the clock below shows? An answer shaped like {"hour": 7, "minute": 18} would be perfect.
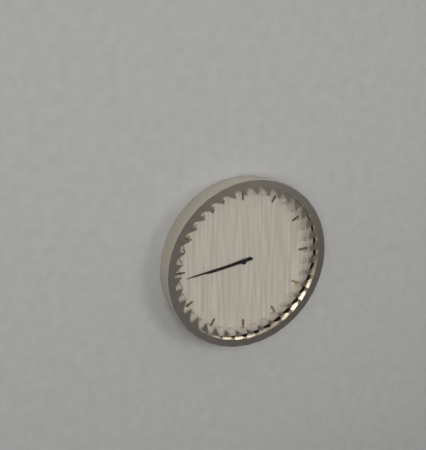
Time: {"hour": 8, "minute": 44}
